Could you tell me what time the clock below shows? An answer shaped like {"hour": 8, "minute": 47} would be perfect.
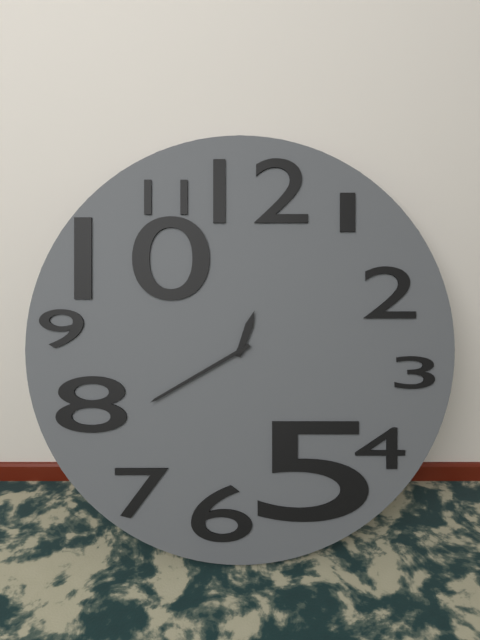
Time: {"hour": 12, "minute": 40}
